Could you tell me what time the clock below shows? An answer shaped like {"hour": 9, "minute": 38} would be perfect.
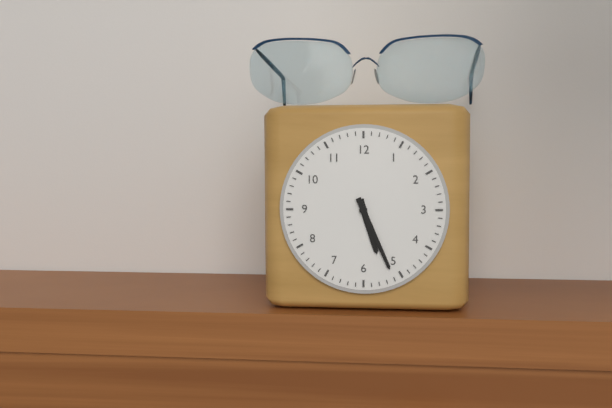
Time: {"hour": 5, "minute": 26}
